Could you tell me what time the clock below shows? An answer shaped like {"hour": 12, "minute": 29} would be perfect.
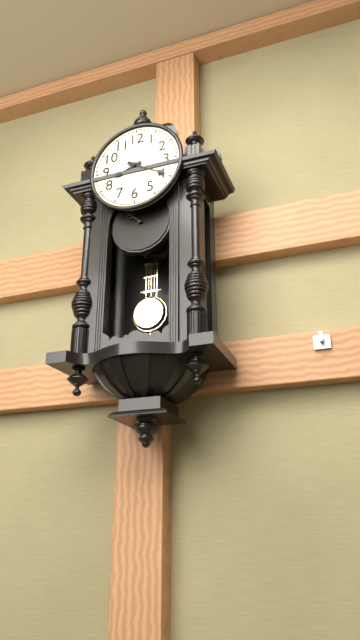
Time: {"hour": 8, "minute": 20}
